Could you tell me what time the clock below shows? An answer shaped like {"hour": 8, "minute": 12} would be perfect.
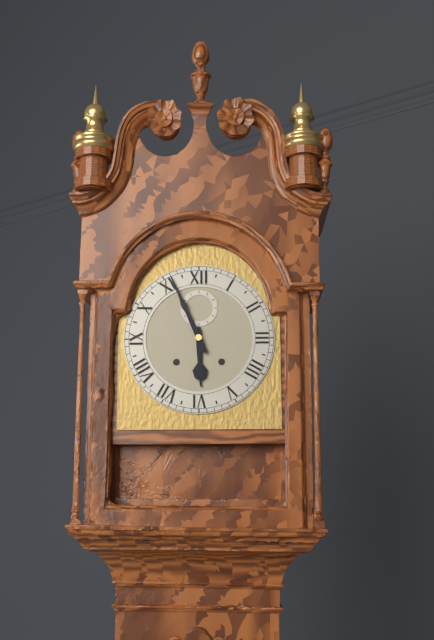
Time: {"hour": 5, "minute": 56}
